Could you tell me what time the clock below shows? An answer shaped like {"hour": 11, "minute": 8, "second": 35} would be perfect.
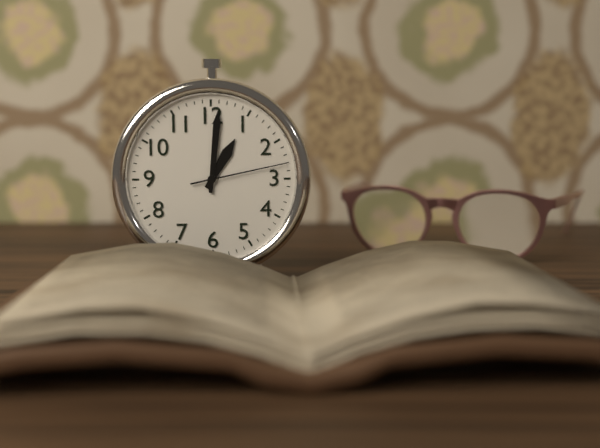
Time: {"hour": 1, "minute": 1, "second": 13}
